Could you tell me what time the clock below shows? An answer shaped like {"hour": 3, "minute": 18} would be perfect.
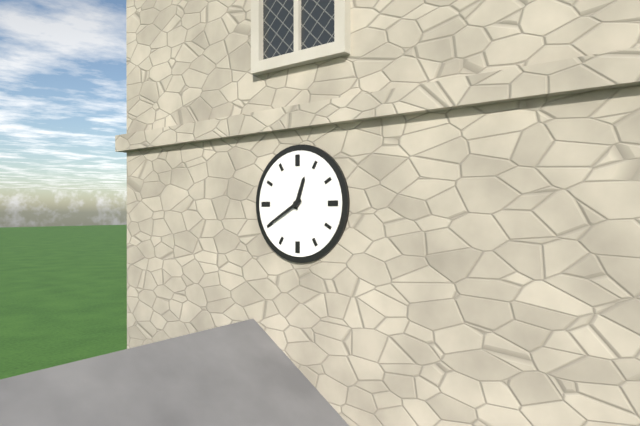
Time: {"hour": 12, "minute": 40}
